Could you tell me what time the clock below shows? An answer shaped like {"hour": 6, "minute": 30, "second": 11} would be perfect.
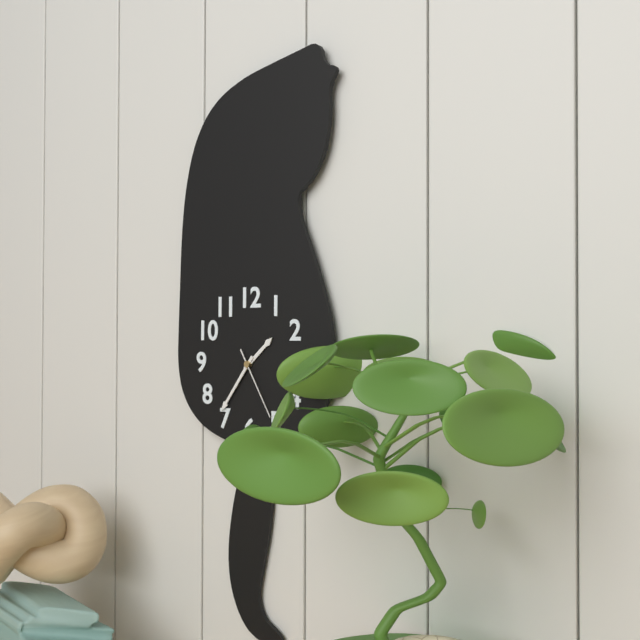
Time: {"hour": 1, "minute": 36, "second": 25}
